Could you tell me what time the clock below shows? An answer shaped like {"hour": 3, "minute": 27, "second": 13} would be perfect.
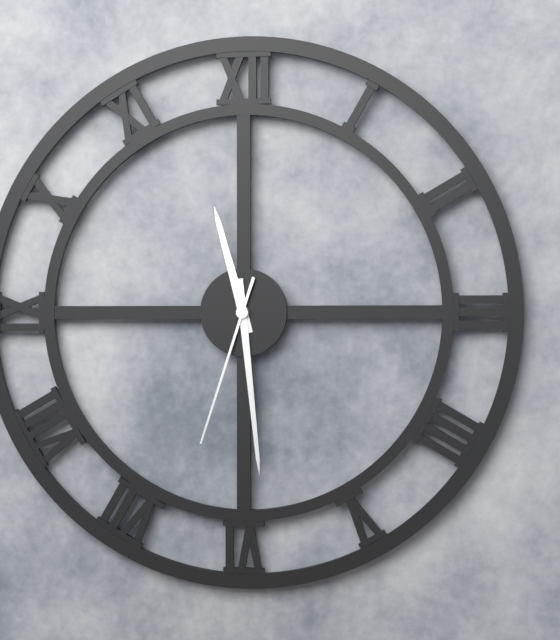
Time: {"hour": 11, "minute": 29, "second": 33}
